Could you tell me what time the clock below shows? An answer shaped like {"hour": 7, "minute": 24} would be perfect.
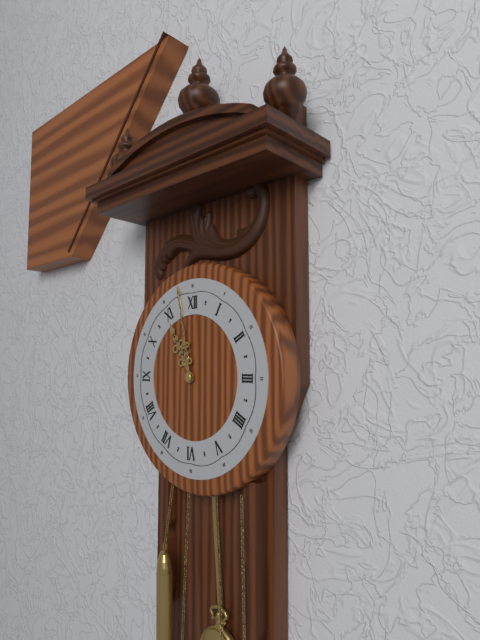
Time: {"hour": 10, "minute": 58}
